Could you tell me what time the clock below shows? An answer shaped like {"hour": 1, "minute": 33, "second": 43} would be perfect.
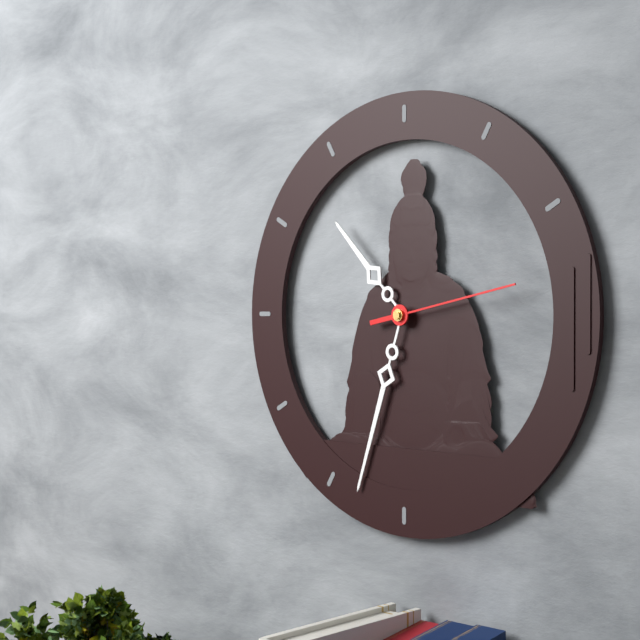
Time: {"hour": 10, "minute": 33, "second": 13}
